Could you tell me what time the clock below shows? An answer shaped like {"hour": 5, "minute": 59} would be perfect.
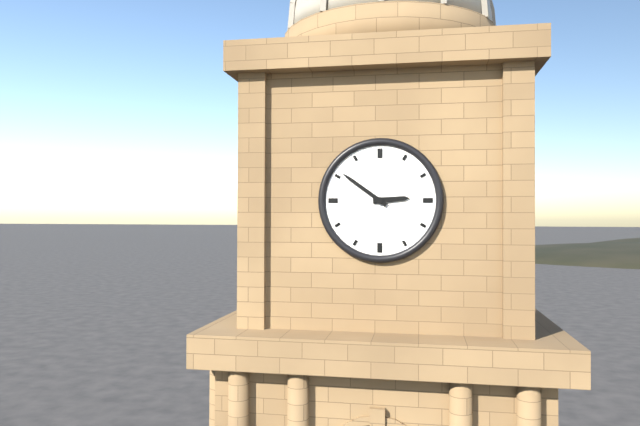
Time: {"hour": 2, "minute": 51}
